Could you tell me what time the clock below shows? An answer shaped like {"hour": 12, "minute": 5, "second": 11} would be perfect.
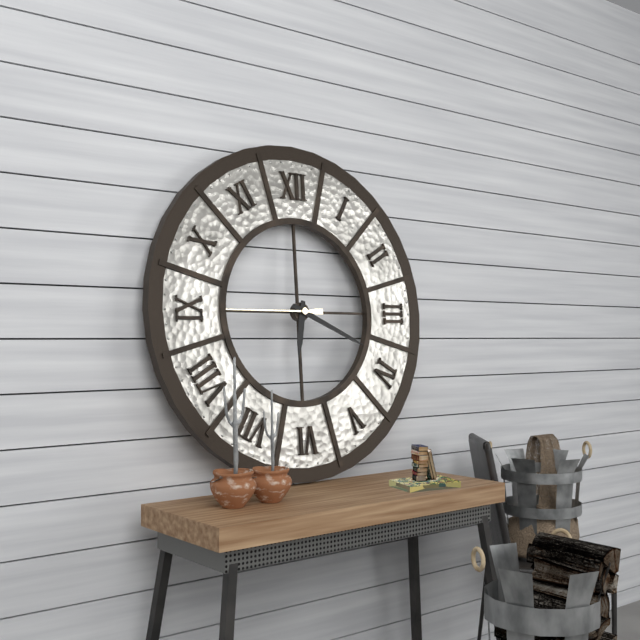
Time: {"hour": 6, "minute": 19, "second": 45}
